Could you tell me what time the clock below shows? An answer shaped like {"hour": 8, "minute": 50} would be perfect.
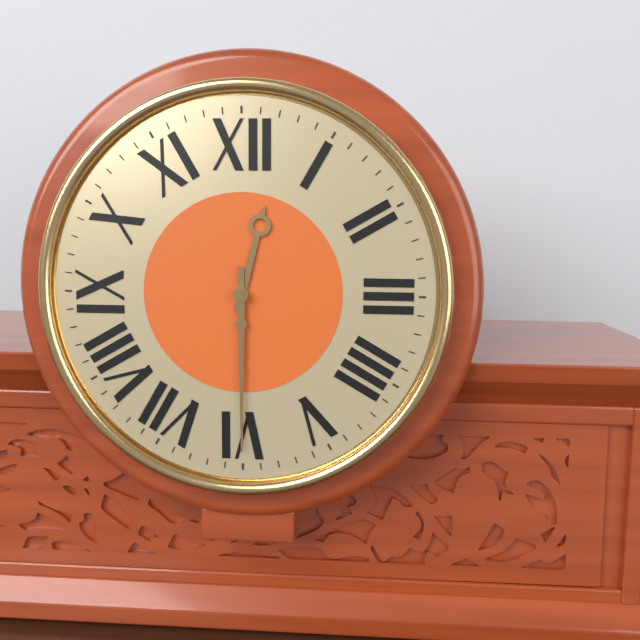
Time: {"hour": 12, "minute": 30}
